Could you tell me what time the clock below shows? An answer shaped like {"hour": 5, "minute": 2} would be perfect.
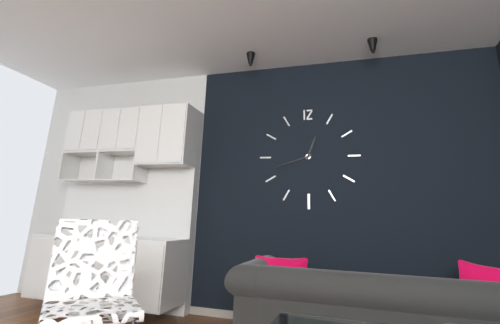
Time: {"hour": 12, "minute": 42}
